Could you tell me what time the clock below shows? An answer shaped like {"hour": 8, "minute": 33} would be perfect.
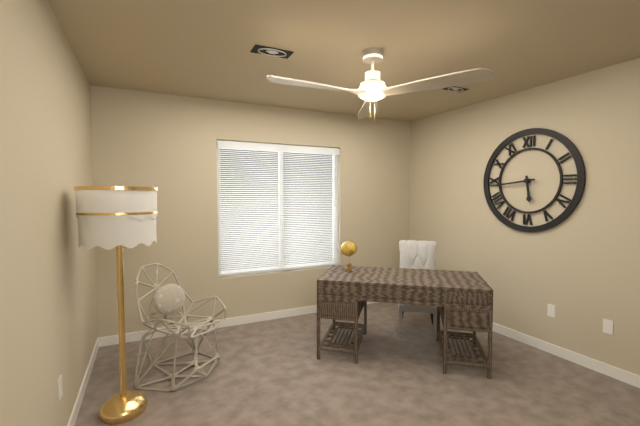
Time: {"hour": 5, "minute": 44}
